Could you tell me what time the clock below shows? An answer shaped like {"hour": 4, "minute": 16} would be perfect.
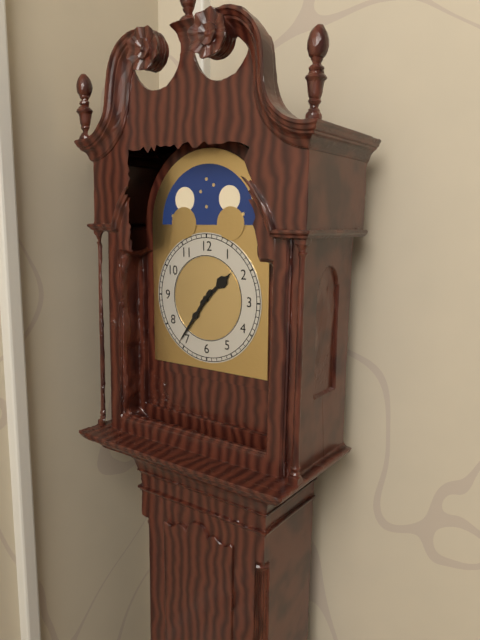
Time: {"hour": 1, "minute": 36}
